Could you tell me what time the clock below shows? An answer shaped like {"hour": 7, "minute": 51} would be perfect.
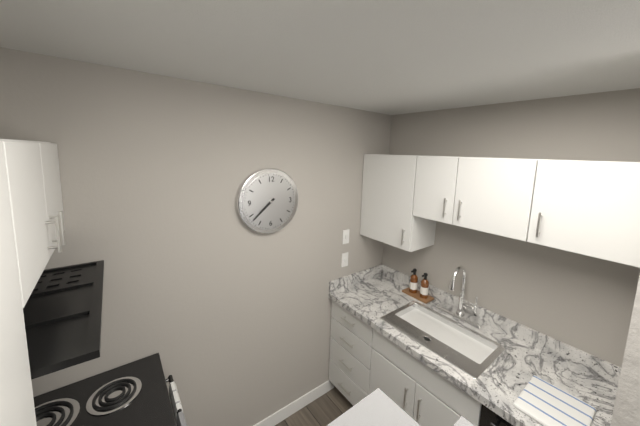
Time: {"hour": 7, "minute": 38}
